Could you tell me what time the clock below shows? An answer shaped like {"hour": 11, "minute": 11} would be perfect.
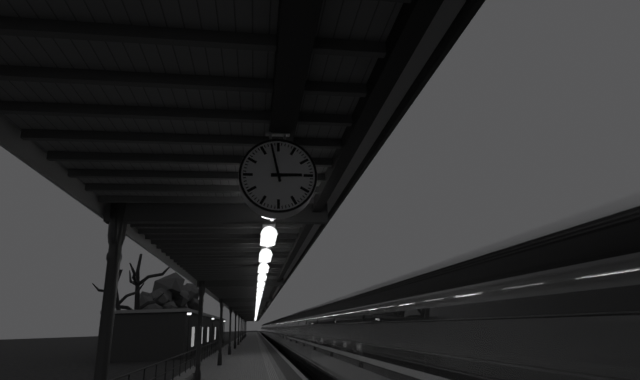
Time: {"hour": 2, "minute": 58}
